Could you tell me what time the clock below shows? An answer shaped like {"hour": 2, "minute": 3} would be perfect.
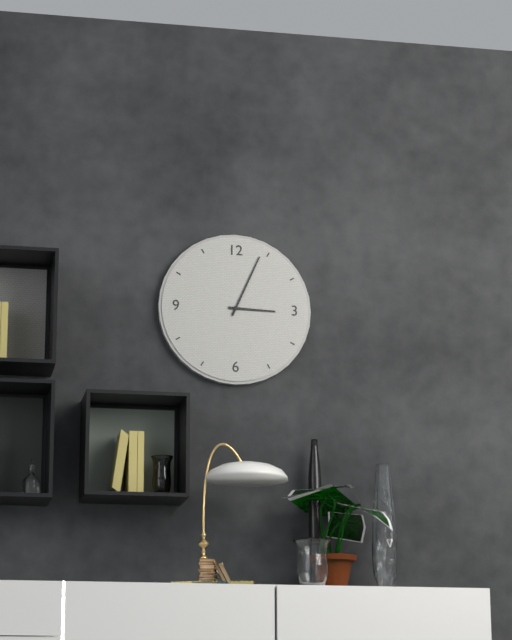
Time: {"hour": 3, "minute": 4}
